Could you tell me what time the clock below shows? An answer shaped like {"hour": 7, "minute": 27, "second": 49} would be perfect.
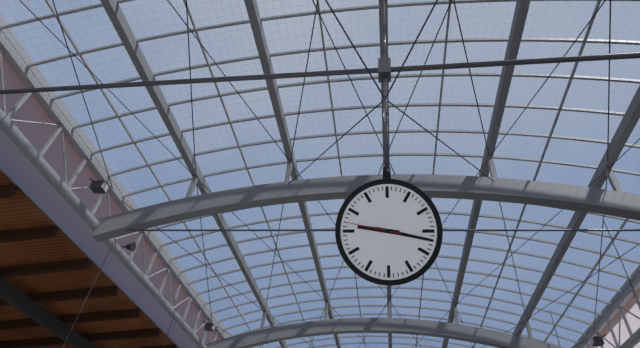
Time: {"hour": 9, "minute": 17, "second": 47}
